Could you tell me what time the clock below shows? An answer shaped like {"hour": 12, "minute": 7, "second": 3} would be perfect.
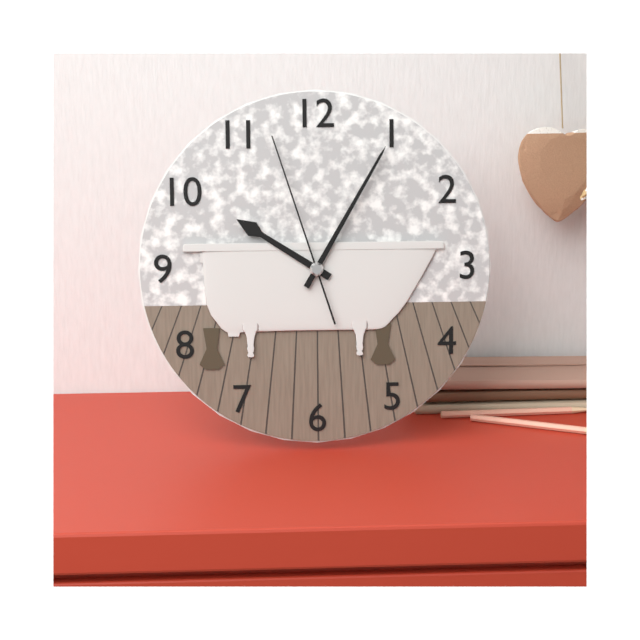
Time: {"hour": 10, "minute": 5, "second": 57}
